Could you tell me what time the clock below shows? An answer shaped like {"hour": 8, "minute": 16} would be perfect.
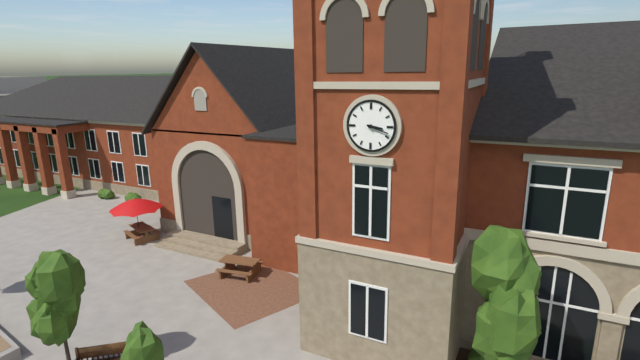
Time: {"hour": 3, "minute": 18}
